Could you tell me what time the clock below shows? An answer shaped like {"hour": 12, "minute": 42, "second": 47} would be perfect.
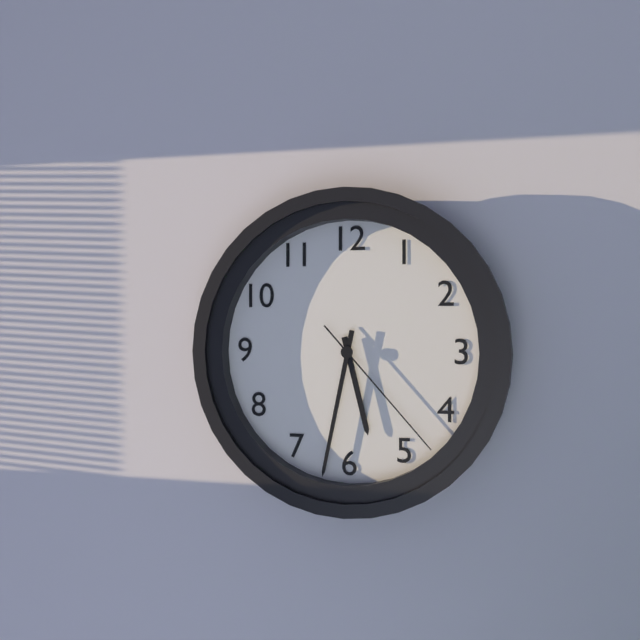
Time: {"hour": 5, "minute": 32, "second": 23}
